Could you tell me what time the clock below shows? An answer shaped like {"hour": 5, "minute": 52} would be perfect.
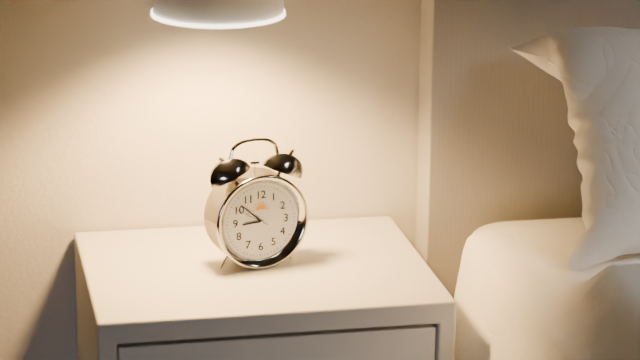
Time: {"hour": 8, "minute": 52}
